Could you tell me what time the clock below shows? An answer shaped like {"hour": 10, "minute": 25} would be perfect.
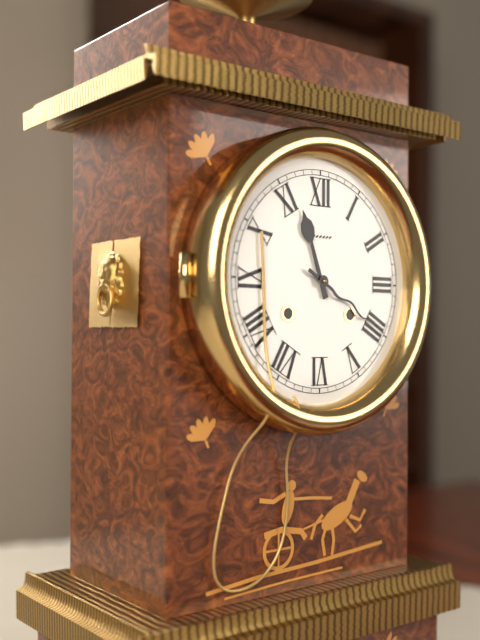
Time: {"hour": 11, "minute": 20}
